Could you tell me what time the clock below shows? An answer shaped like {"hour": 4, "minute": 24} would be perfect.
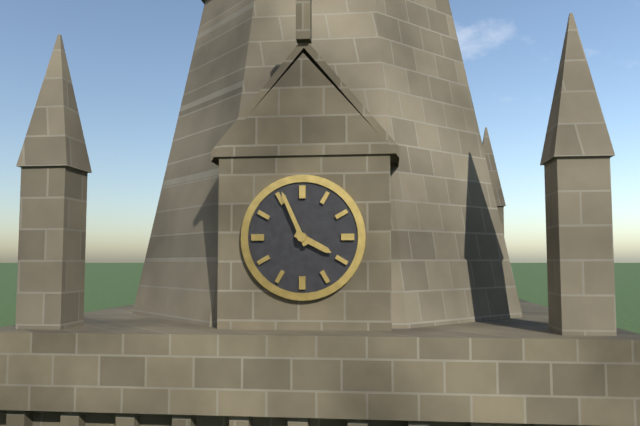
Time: {"hour": 3, "minute": 56}
